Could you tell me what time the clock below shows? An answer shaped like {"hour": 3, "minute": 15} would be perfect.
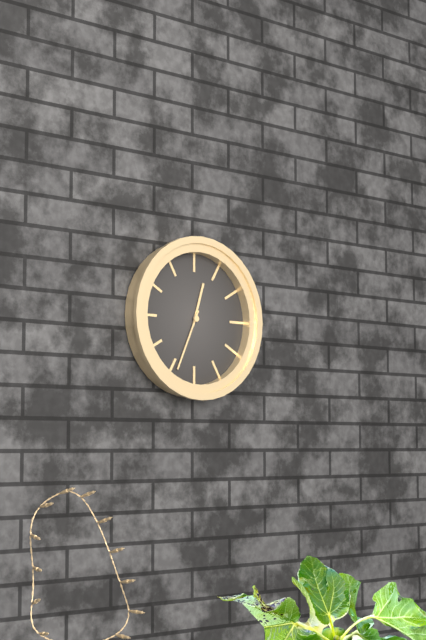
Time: {"hour": 12, "minute": 34}
